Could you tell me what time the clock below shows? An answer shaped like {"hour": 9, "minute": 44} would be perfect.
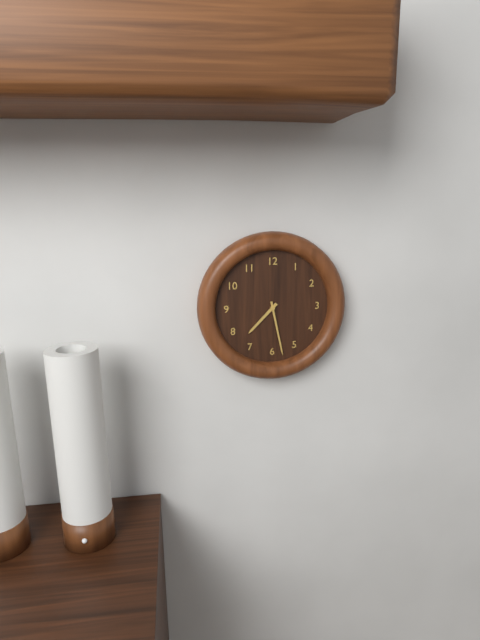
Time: {"hour": 7, "minute": 28}
